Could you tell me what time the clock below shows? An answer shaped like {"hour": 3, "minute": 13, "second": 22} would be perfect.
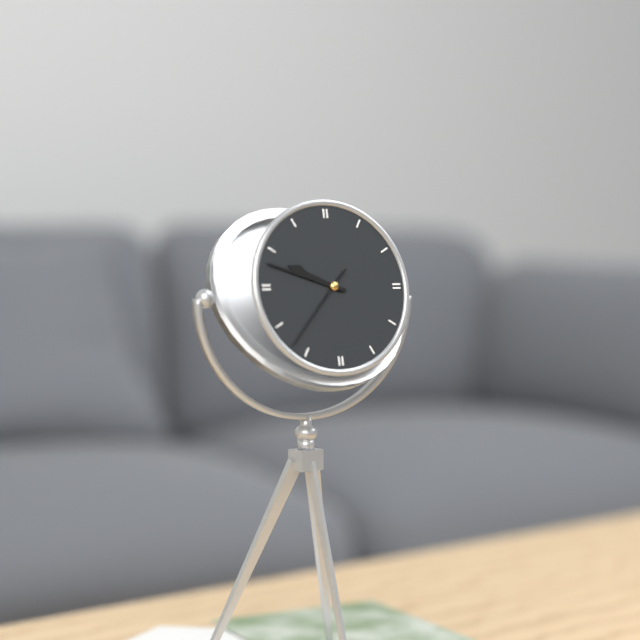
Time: {"hour": 9, "minute": 48, "second": 37}
